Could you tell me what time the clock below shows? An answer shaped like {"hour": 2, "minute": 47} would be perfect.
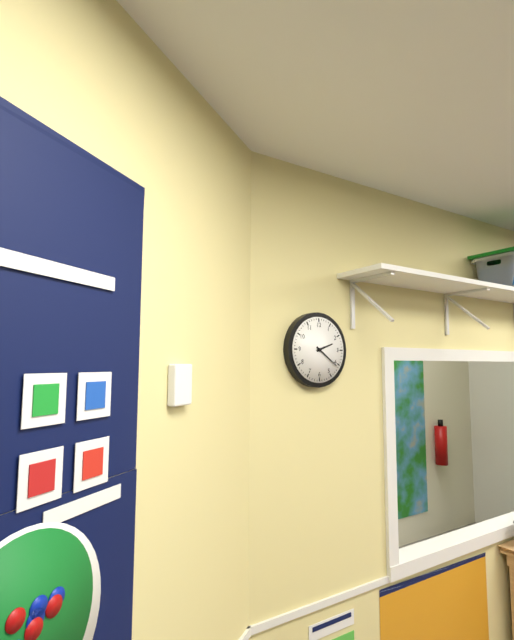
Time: {"hour": 2, "minute": 21}
